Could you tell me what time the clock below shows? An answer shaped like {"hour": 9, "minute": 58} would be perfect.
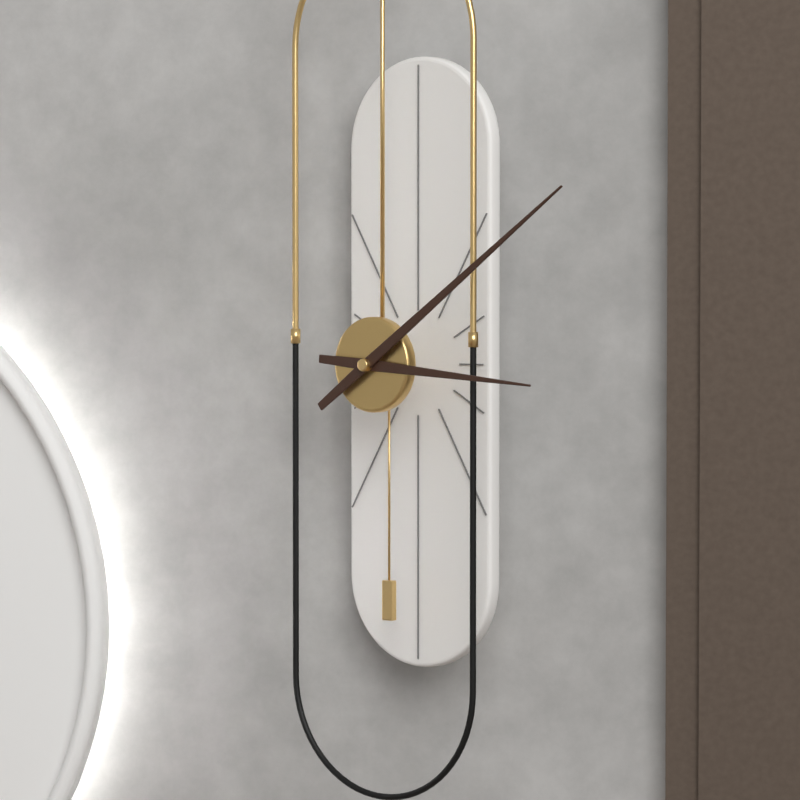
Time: {"hour": 3, "minute": 9}
